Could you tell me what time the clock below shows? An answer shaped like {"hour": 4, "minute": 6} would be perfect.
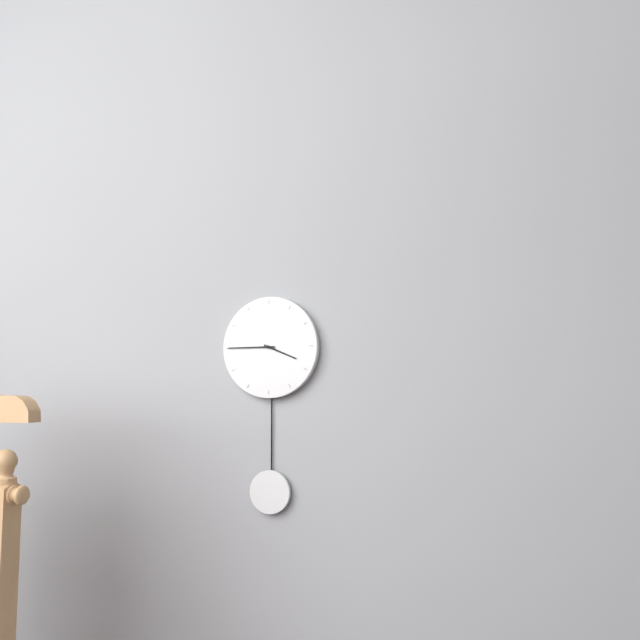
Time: {"hour": 3, "minute": 45}
